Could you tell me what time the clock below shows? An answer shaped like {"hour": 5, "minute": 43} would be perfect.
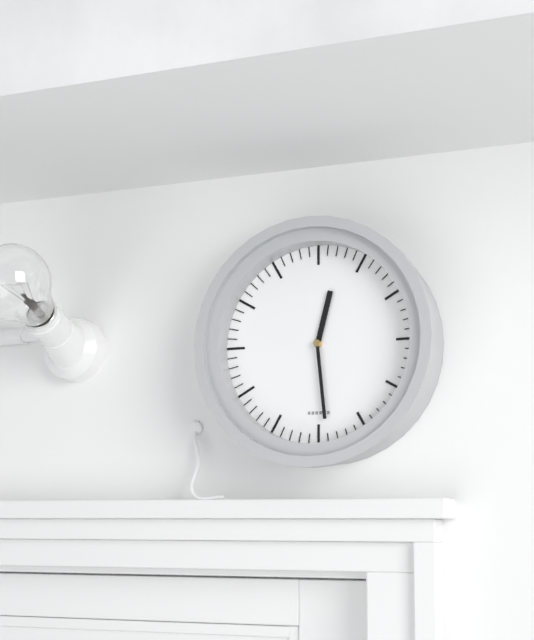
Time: {"hour": 12, "minute": 29}
